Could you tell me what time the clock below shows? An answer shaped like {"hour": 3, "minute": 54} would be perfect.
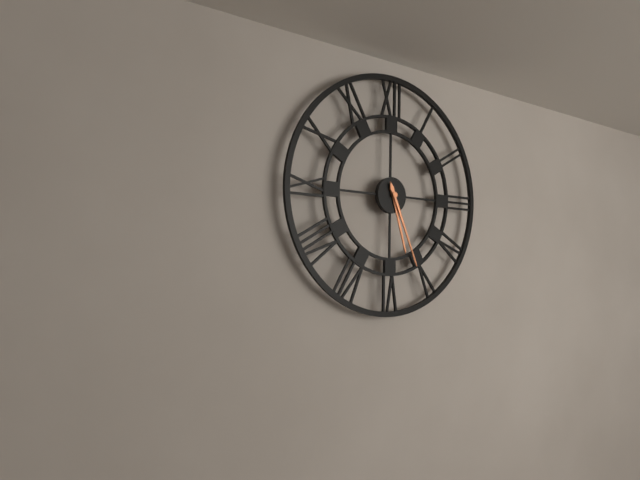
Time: {"hour": 5, "minute": 26}
